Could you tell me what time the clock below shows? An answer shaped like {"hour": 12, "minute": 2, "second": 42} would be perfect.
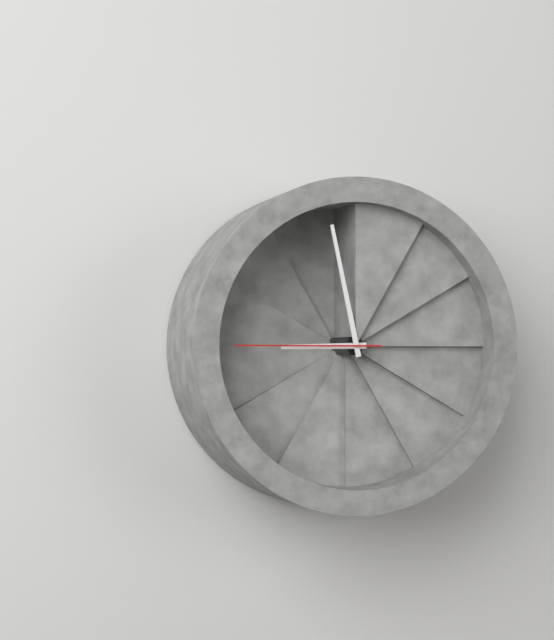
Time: {"hour": 8, "minute": 58, "second": 45}
